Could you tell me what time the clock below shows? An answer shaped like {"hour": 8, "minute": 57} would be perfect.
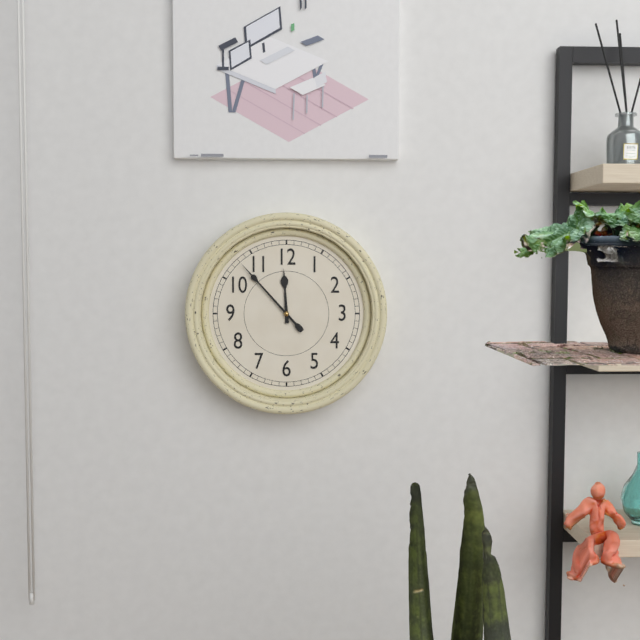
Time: {"hour": 11, "minute": 53}
